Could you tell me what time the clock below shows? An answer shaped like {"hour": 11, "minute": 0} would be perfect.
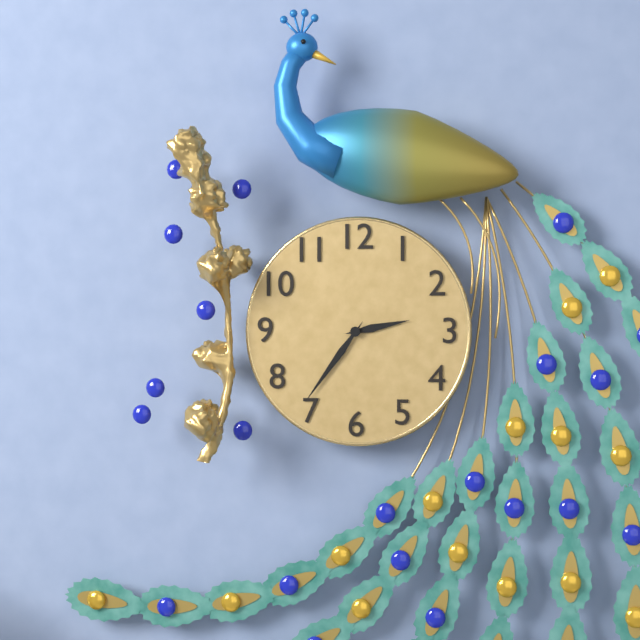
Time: {"hour": 2, "minute": 36}
